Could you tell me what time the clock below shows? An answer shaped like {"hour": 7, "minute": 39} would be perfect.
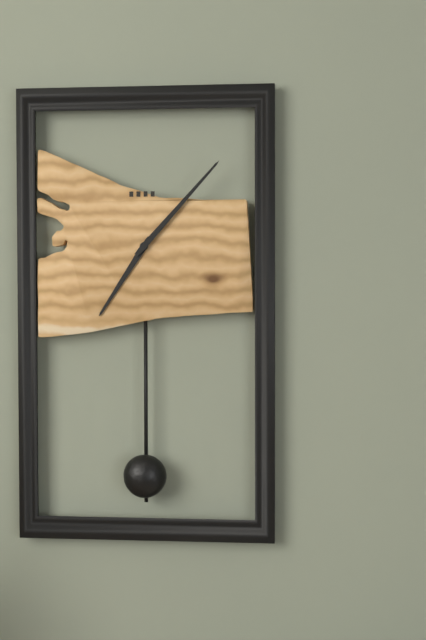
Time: {"hour": 7, "minute": 7}
